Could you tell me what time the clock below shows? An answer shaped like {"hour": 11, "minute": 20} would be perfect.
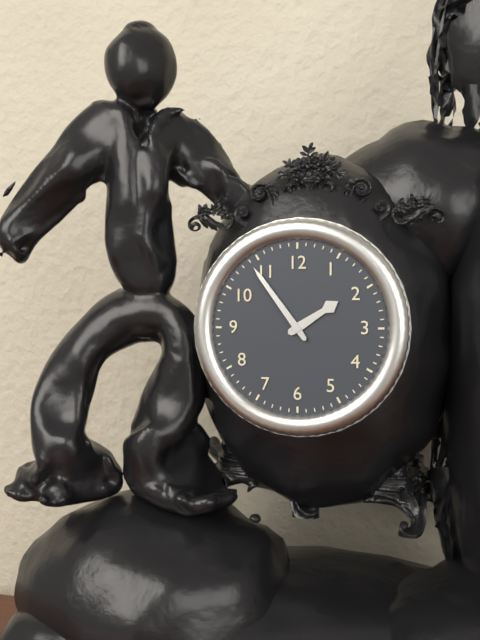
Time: {"hour": 1, "minute": 54}
